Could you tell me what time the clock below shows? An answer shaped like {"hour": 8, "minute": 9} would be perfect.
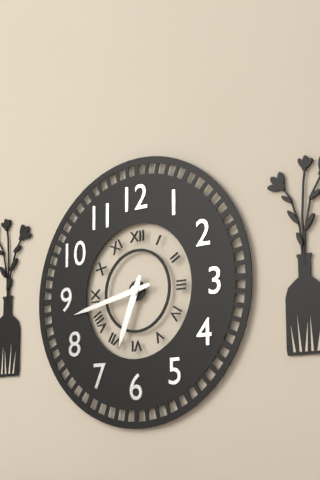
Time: {"hour": 6, "minute": 43}
